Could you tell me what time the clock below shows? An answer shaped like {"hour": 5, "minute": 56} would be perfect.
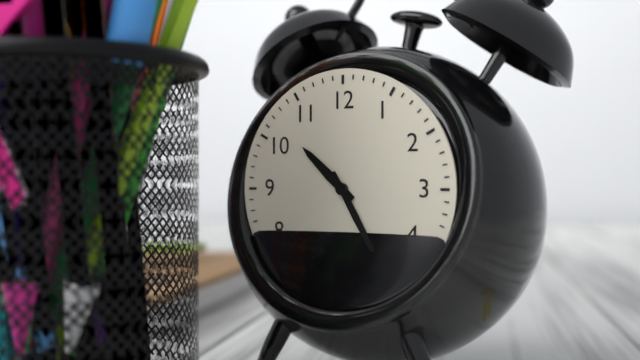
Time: {"hour": 10, "minute": 25}
